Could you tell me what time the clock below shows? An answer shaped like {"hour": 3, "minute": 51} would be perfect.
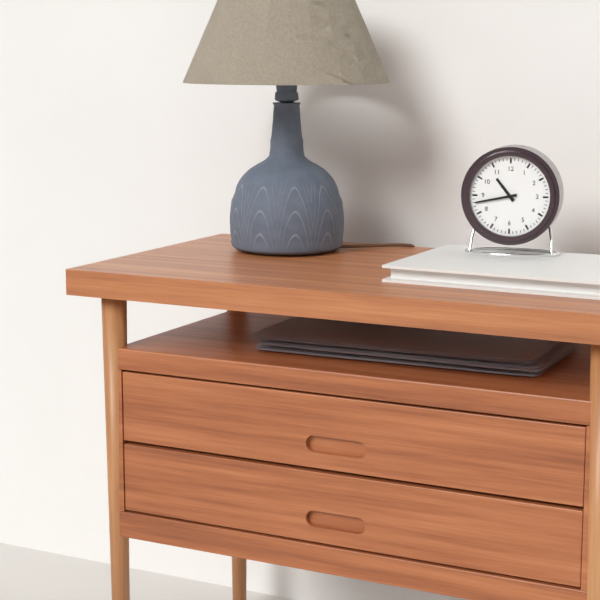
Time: {"hour": 10, "minute": 43}
